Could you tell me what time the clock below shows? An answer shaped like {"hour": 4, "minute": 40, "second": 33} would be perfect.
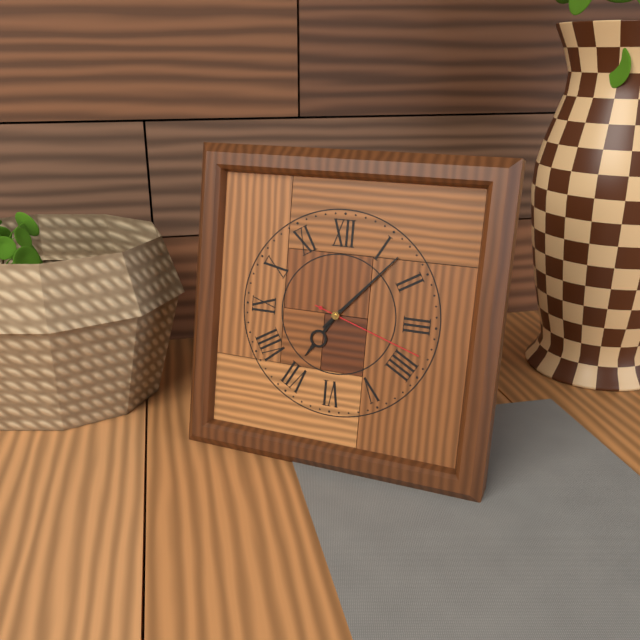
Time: {"hour": 7, "minute": 7, "second": 18}
